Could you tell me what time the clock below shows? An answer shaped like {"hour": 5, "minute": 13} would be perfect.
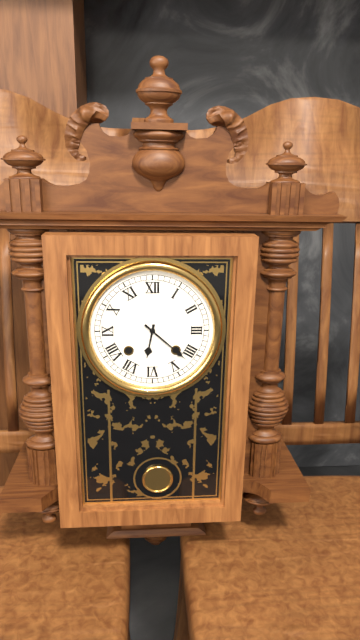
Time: {"hour": 6, "minute": 22}
